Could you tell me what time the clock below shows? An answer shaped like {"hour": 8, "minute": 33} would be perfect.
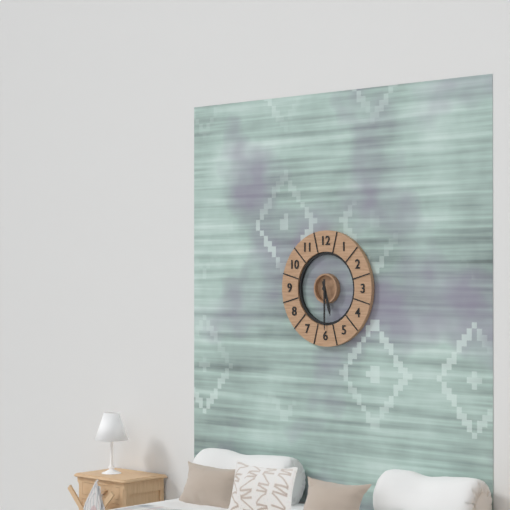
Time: {"hour": 5, "minute": 30}
